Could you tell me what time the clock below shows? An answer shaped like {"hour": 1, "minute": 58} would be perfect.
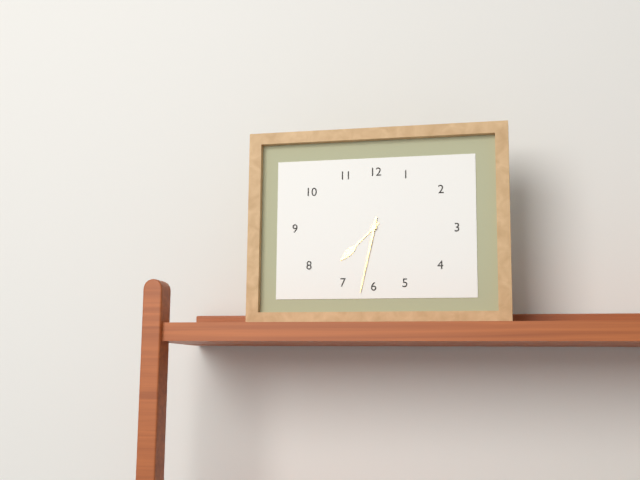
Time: {"hour": 7, "minute": 32}
